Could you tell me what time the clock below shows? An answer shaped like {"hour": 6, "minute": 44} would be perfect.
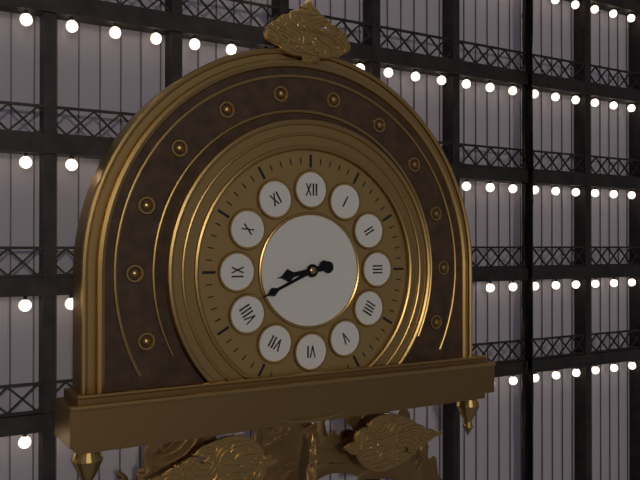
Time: {"hour": 8, "minute": 41}
